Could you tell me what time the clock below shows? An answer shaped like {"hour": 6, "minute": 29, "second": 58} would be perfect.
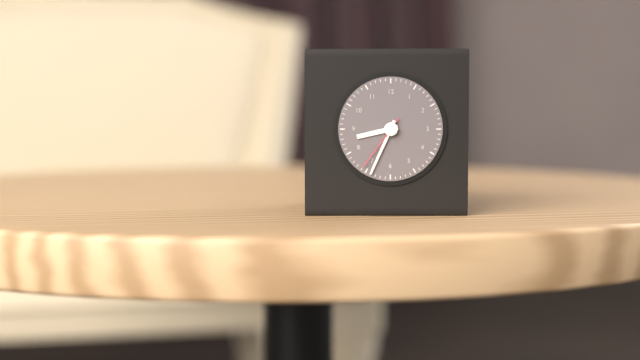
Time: {"hour": 8, "minute": 34, "second": 36}
